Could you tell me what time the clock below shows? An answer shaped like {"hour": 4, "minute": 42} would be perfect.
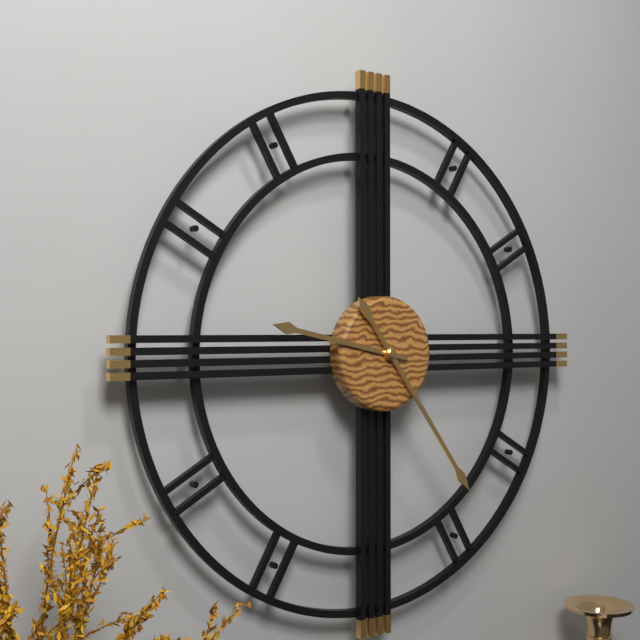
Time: {"hour": 9, "minute": 24}
